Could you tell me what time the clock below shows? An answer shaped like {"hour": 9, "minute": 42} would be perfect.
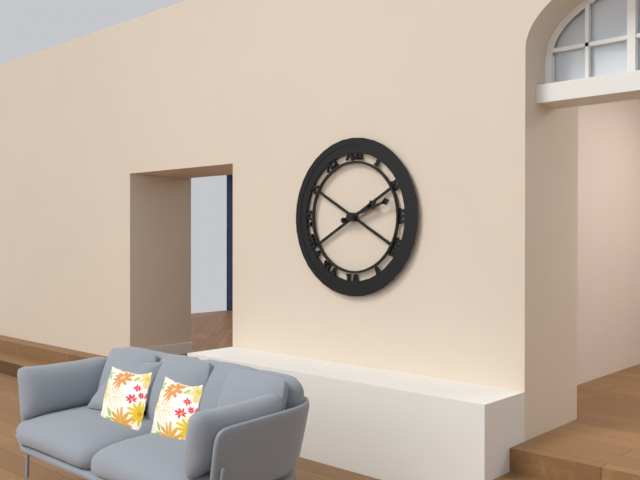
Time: {"hour": 2, "minute": 12}
